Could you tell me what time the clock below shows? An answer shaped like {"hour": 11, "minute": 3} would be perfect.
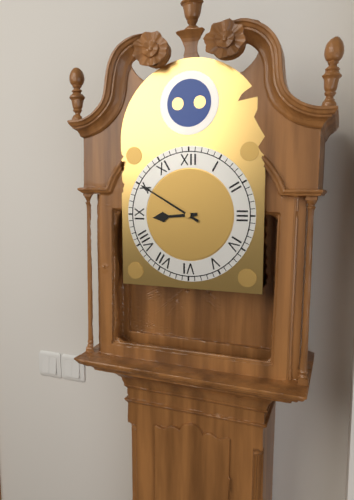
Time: {"hour": 8, "minute": 50}
